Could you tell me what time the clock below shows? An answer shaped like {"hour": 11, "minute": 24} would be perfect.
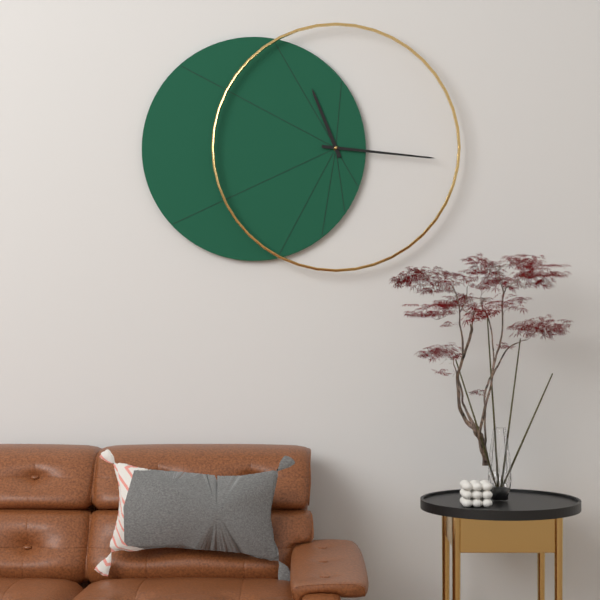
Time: {"hour": 11, "minute": 16}
